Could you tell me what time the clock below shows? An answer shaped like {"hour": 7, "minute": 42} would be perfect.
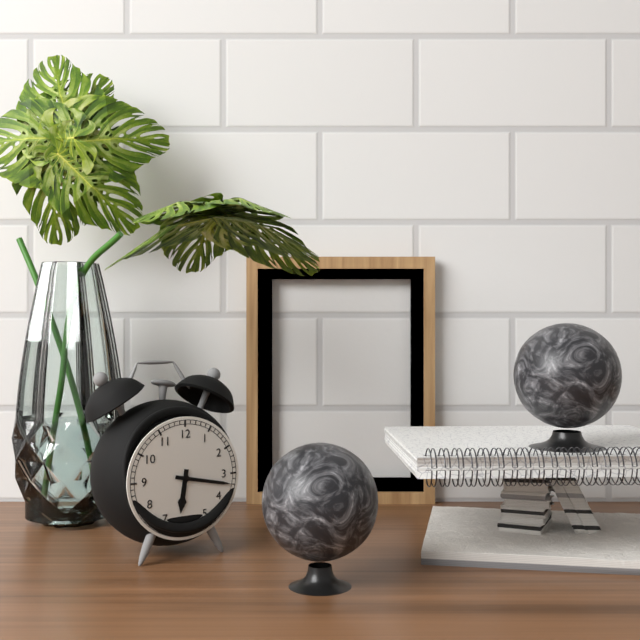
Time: {"hour": 6, "minute": 17}
